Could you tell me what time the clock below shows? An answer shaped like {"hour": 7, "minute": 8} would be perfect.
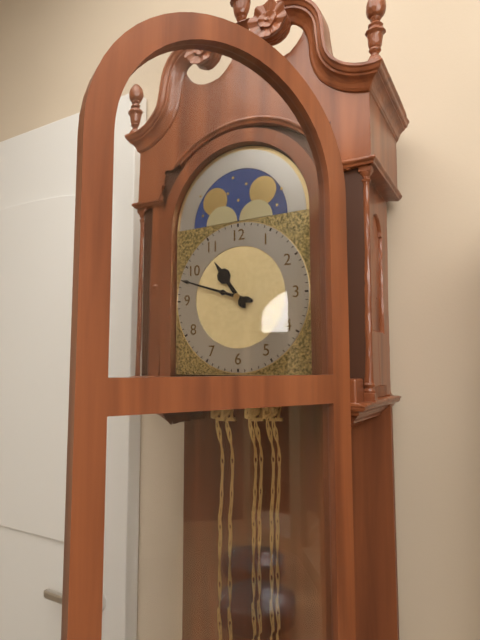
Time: {"hour": 10, "minute": 48}
